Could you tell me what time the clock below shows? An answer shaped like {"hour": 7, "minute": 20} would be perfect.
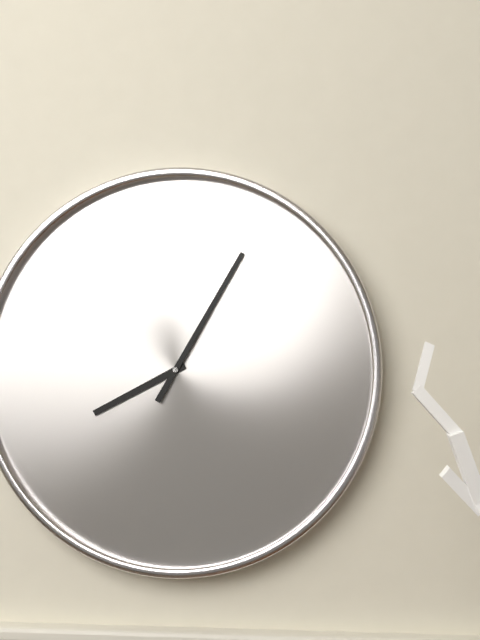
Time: {"hour": 8, "minute": 5}
